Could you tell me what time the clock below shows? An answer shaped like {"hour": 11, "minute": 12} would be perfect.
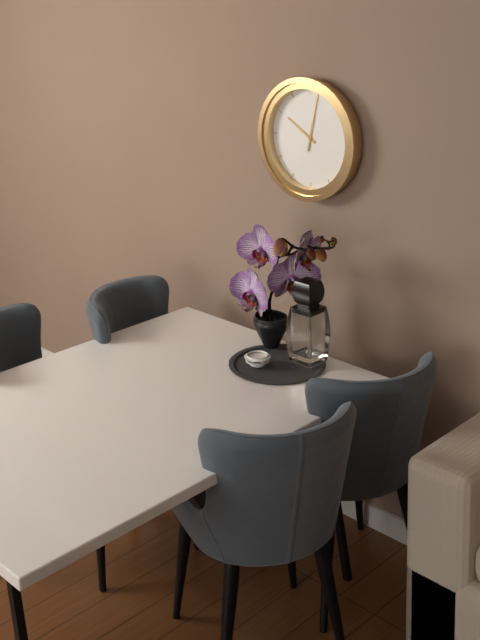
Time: {"hour": 10, "minute": 2}
